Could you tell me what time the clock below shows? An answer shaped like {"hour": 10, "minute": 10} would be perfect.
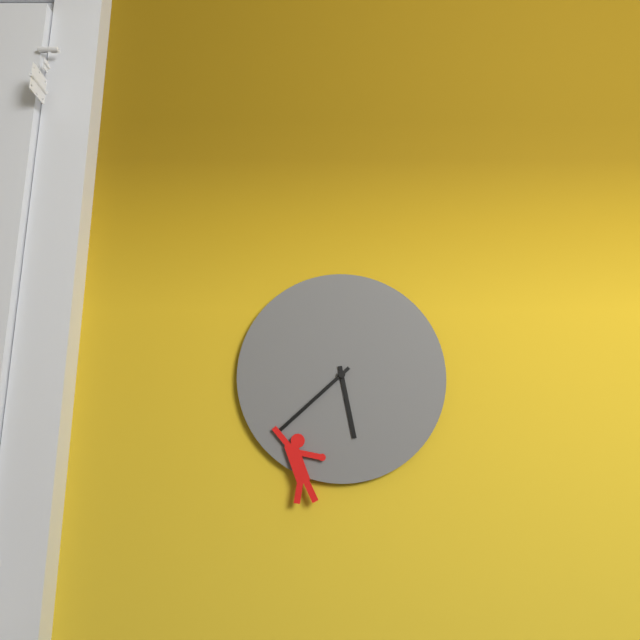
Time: {"hour": 5, "minute": 38}
